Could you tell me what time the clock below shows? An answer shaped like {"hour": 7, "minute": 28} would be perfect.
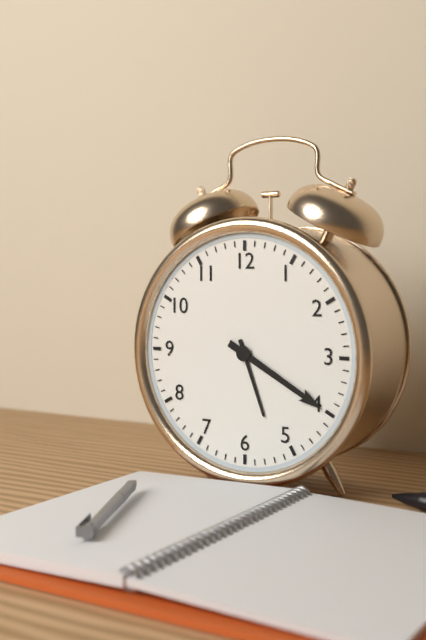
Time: {"hour": 5, "minute": 20}
